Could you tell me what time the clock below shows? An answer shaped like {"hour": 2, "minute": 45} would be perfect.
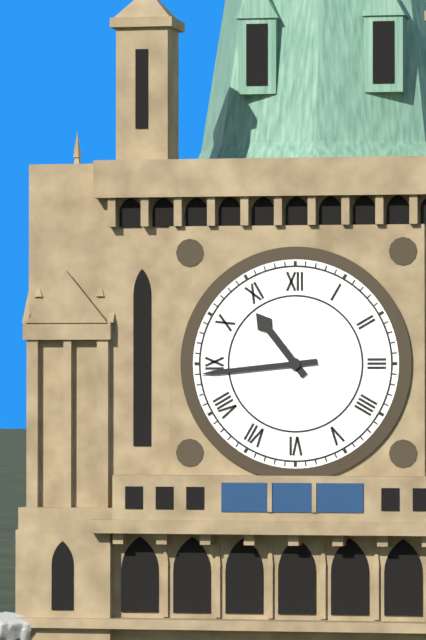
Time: {"hour": 10, "minute": 44}
